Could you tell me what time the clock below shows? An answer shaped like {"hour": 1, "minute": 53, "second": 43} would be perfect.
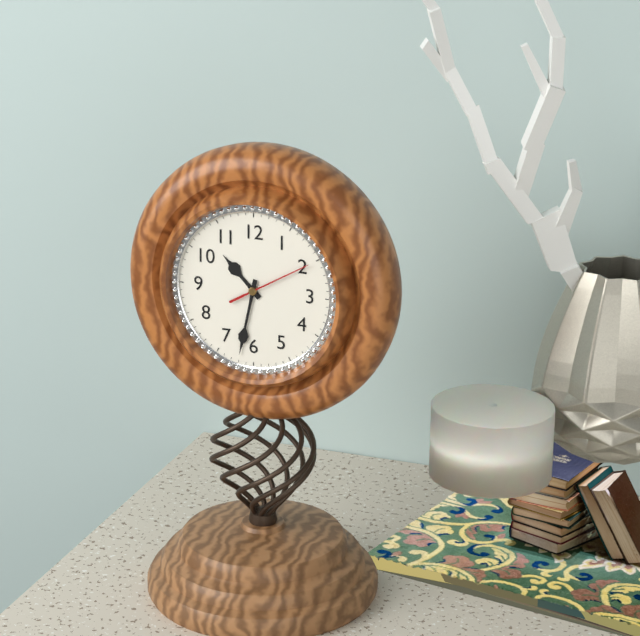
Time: {"hour": 10, "minute": 32, "second": 10}
